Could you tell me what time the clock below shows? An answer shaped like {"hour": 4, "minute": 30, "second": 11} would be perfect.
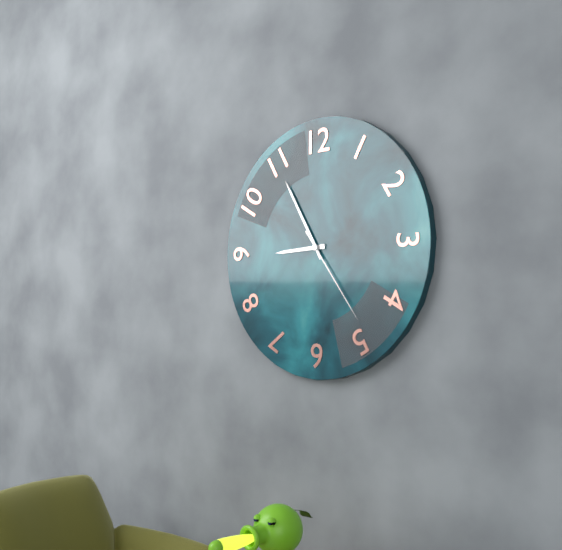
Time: {"hour": 8, "minute": 55, "second": 24}
